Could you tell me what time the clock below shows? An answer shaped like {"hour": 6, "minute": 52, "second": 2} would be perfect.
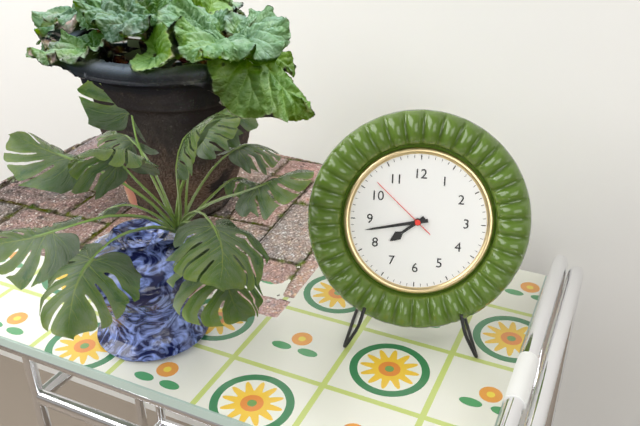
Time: {"hour": 7, "minute": 43, "second": 52}
